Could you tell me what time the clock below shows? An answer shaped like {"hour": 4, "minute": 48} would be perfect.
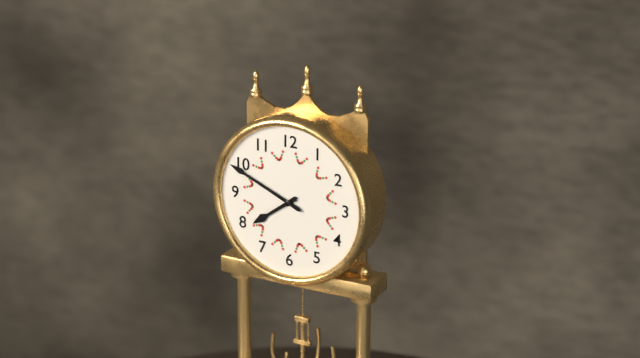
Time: {"hour": 7, "minute": 49}
